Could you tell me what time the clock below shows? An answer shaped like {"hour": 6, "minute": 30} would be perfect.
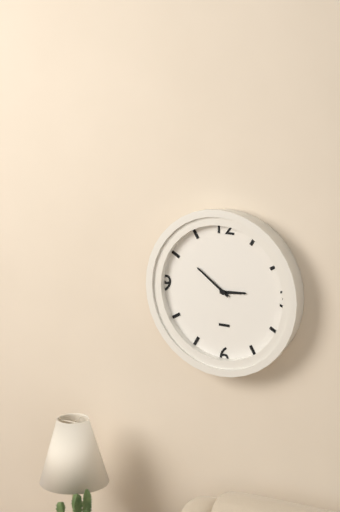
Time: {"hour": 2, "minute": 51}
